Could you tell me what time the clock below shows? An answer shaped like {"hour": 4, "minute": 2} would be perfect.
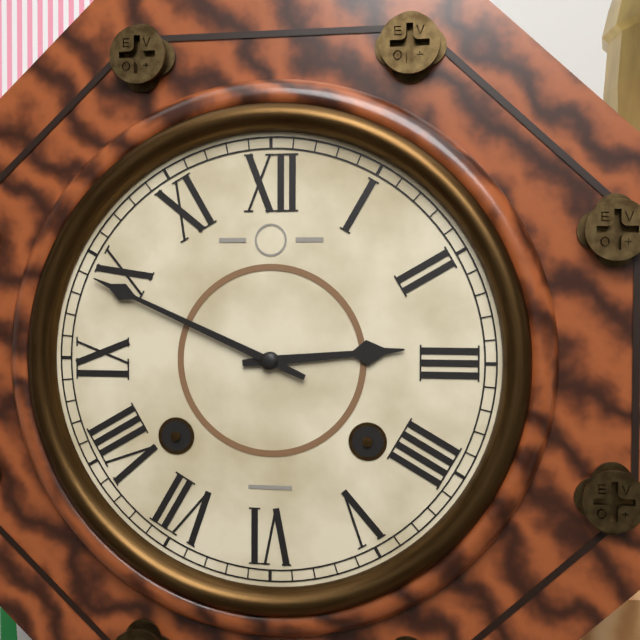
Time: {"hour": 2, "minute": 49}
